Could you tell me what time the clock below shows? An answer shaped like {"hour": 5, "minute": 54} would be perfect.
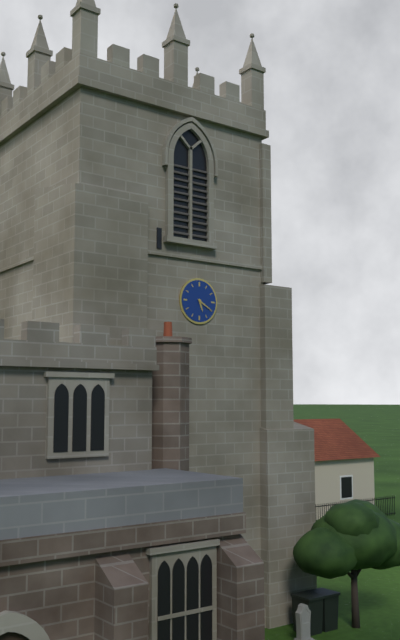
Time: {"hour": 5, "minute": 20}
